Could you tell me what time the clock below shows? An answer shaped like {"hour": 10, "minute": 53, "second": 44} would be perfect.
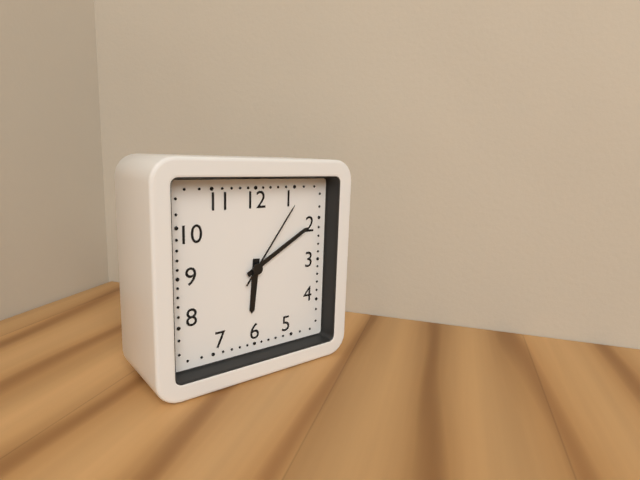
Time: {"hour": 6, "minute": 10, "second": 6}
